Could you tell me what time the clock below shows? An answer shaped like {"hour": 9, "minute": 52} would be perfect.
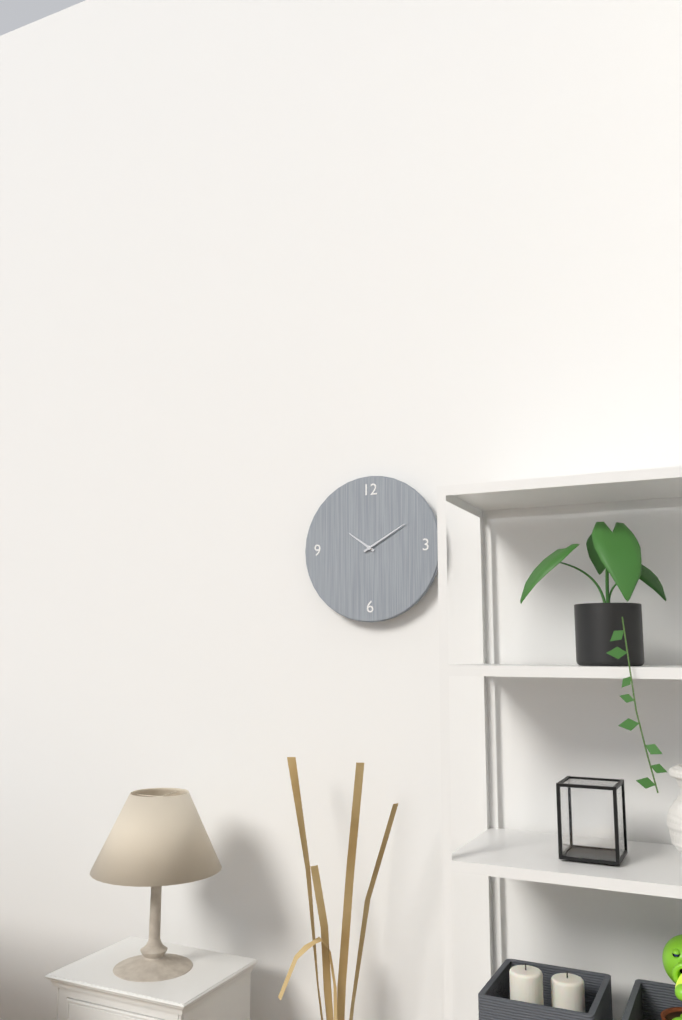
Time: {"hour": 10, "minute": 10}
